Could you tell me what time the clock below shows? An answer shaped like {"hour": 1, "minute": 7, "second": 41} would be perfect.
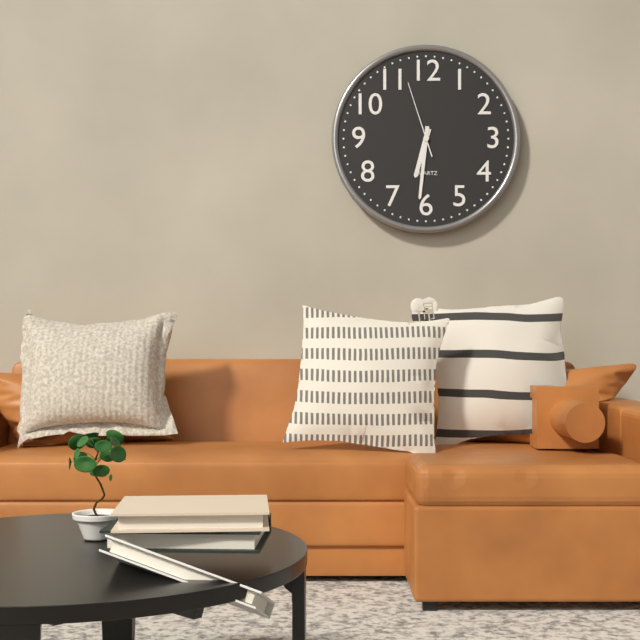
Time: {"hour": 6, "minute": 31, "second": 57}
